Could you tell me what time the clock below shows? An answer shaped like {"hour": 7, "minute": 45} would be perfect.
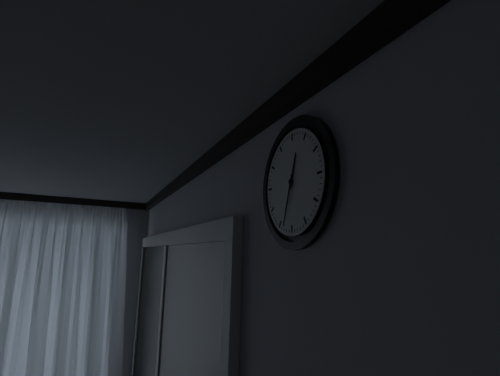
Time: {"hour": 12, "minute": 33}
